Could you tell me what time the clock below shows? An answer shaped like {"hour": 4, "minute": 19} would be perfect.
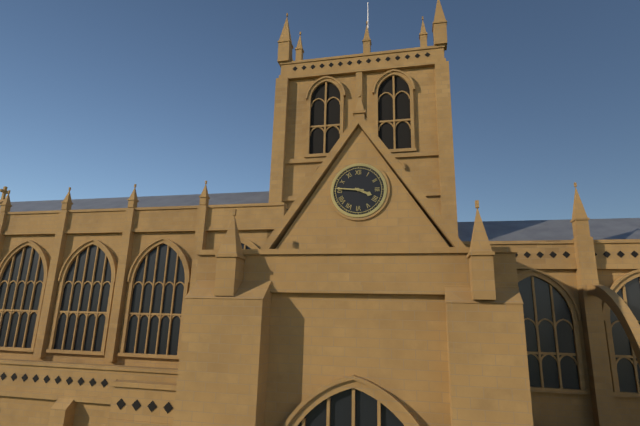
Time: {"hour": 3, "minute": 46}
